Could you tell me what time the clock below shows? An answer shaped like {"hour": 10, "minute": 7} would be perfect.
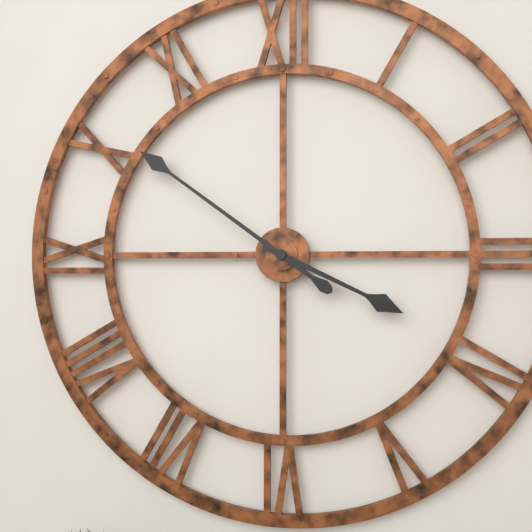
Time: {"hour": 3, "minute": 51}
